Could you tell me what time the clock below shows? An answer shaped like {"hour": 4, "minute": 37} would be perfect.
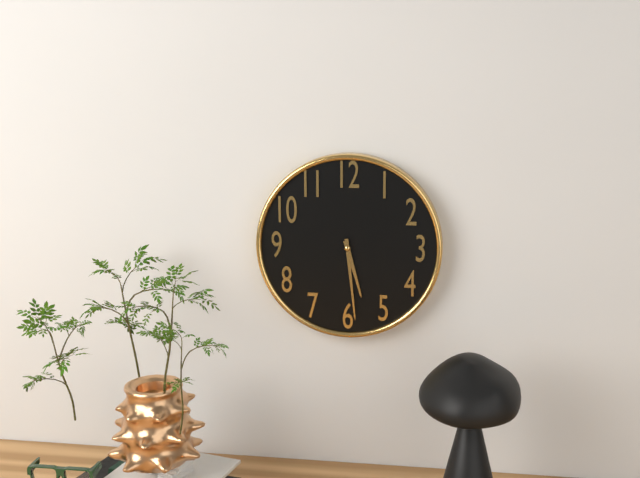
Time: {"hour": 5, "minute": 29}
